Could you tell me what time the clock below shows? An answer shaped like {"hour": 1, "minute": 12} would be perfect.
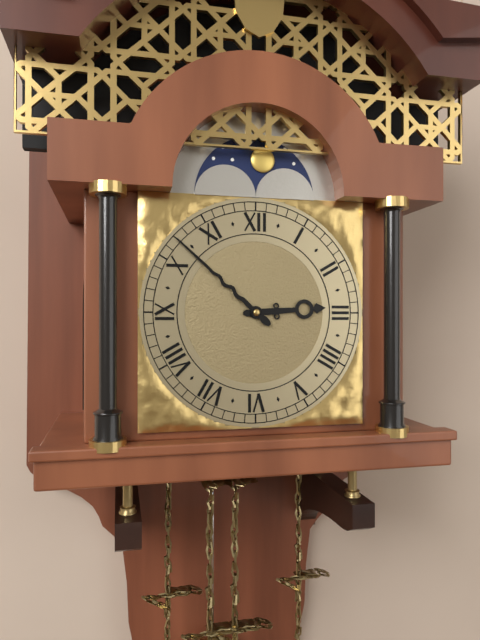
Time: {"hour": 2, "minute": 52}
